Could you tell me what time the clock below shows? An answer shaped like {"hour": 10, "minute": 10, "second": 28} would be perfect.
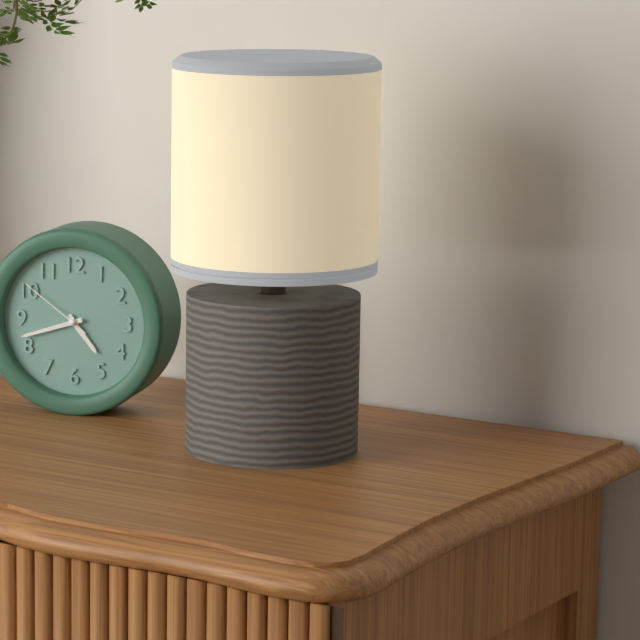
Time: {"hour": 4, "minute": 42, "second": 51}
